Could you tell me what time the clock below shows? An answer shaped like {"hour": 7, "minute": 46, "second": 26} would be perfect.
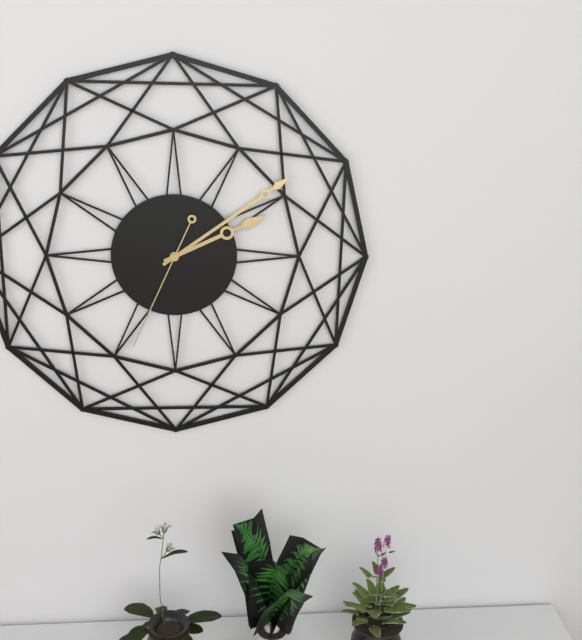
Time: {"hour": 2, "minute": 9, "second": 34}
